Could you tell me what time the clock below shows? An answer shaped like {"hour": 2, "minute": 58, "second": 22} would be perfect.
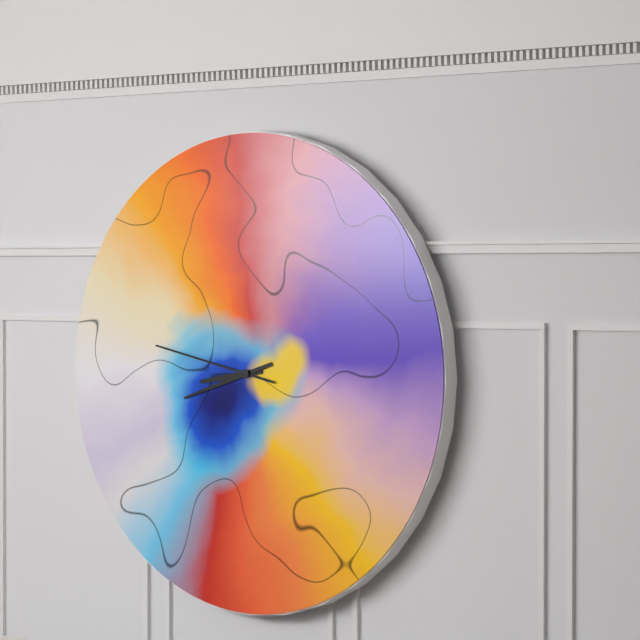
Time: {"hour": 8, "minute": 42, "second": 47}
